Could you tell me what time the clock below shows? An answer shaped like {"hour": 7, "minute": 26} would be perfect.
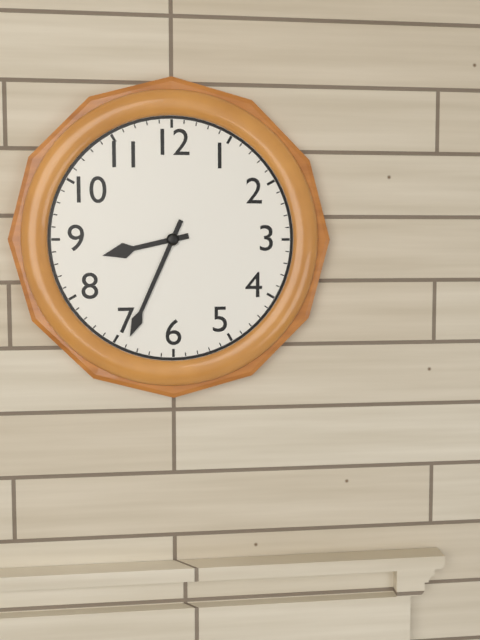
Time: {"hour": 8, "minute": 34}
